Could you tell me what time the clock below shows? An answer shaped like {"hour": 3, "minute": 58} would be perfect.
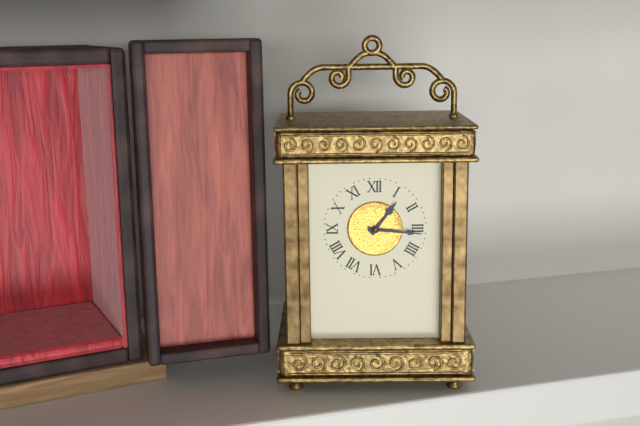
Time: {"hour": 1, "minute": 16}
